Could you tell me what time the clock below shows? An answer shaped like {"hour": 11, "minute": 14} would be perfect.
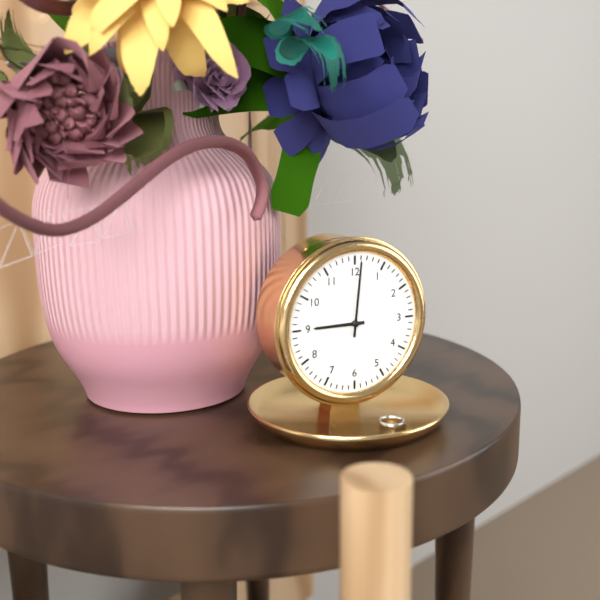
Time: {"hour": 9, "minute": 1}
